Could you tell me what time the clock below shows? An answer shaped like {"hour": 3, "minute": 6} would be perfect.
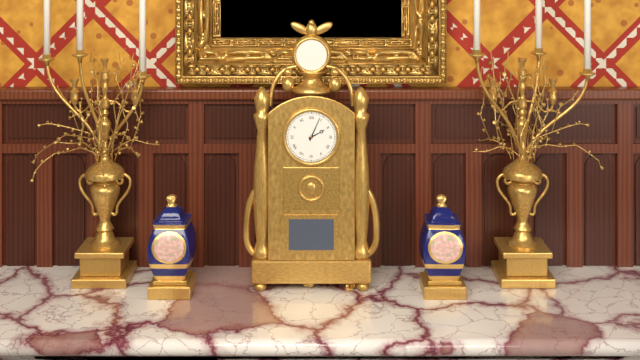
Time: {"hour": 2, "minute": 4}
